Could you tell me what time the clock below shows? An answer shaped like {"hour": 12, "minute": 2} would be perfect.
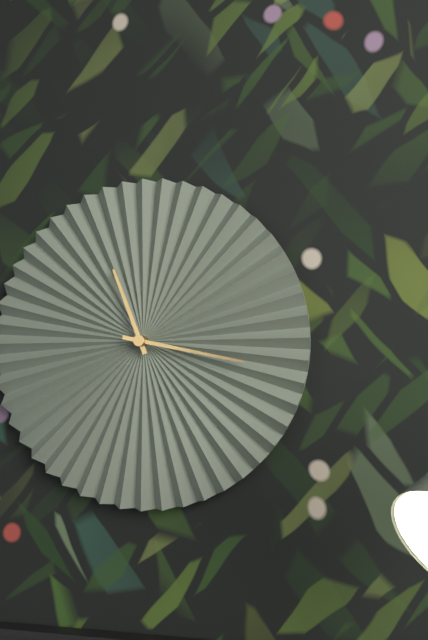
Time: {"hour": 11, "minute": 17}
